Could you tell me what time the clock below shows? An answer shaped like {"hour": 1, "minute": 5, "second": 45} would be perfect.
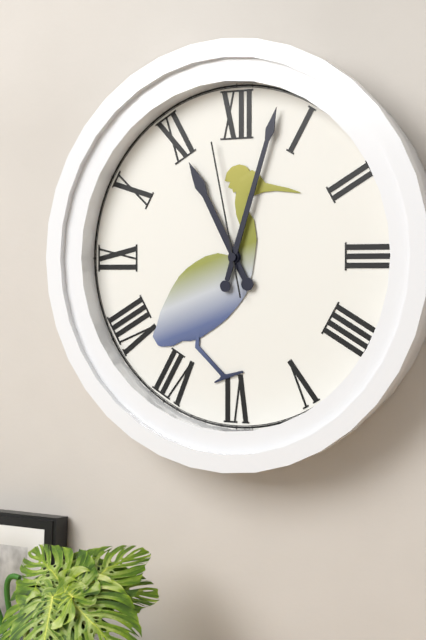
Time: {"hour": 11, "minute": 3, "second": 58}
